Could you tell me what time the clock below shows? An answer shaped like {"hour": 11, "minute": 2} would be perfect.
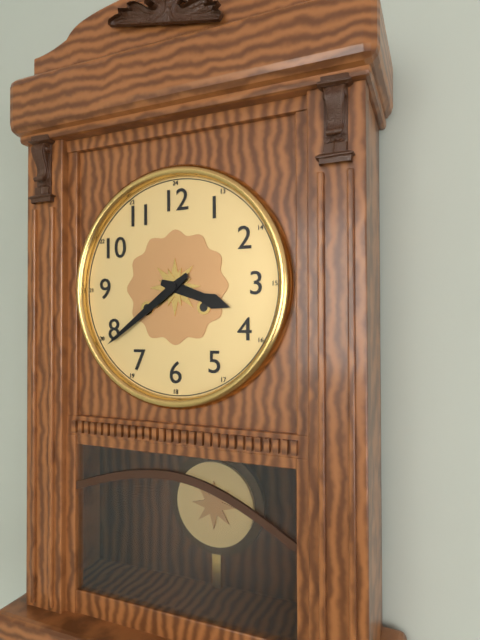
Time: {"hour": 3, "minute": 39}
